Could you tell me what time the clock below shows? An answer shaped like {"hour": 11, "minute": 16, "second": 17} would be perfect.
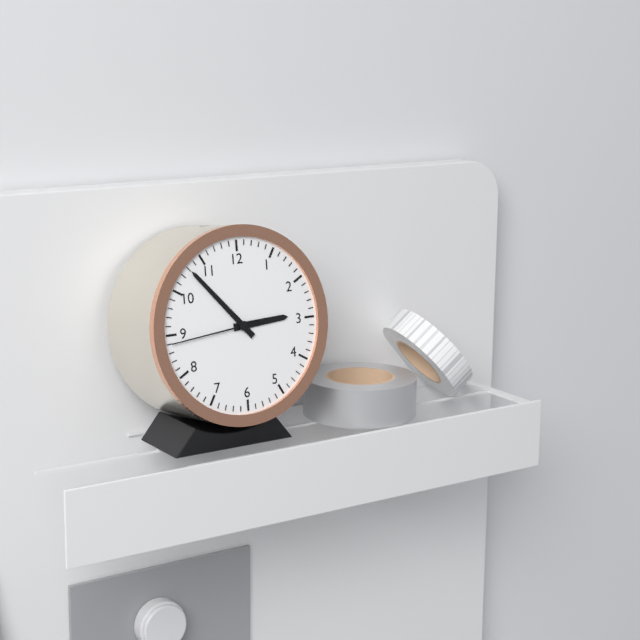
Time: {"hour": 2, "minute": 53, "second": 44}
